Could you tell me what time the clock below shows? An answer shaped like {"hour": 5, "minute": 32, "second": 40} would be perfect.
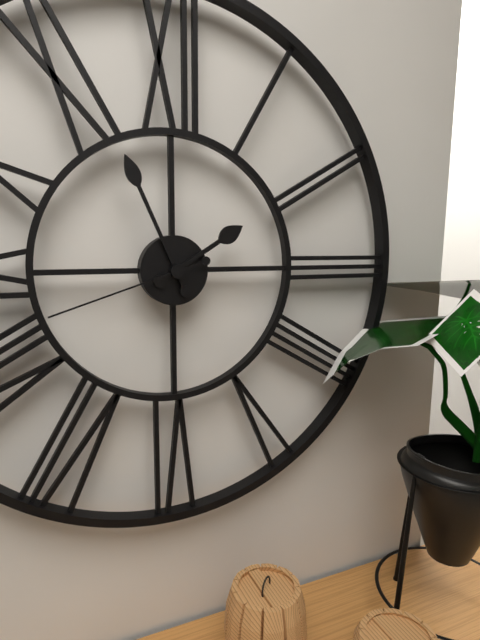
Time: {"hour": 1, "minute": 56, "second": 42}
